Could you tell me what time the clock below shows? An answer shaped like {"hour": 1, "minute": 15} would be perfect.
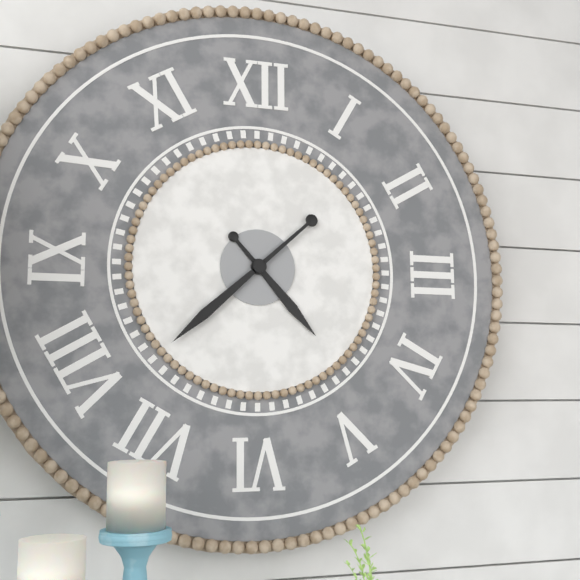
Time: {"hour": 4, "minute": 38}
